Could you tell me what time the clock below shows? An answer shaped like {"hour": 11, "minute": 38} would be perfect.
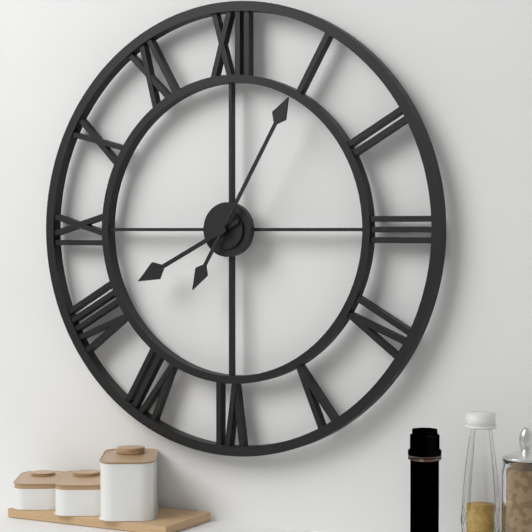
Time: {"hour": 8, "minute": 5}
